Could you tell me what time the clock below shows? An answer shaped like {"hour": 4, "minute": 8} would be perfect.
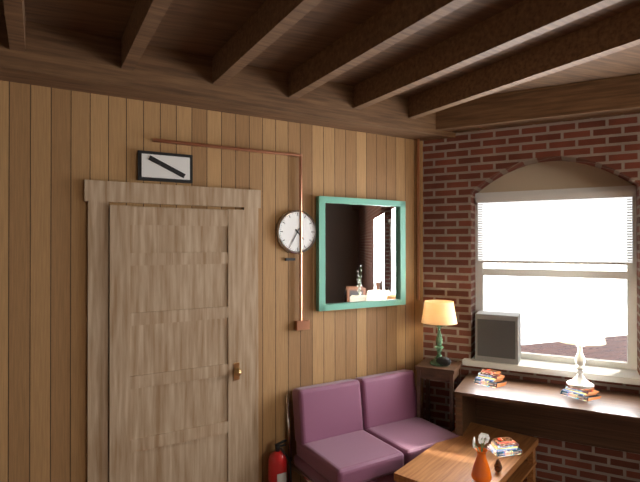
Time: {"hour": 4, "minute": 35}
